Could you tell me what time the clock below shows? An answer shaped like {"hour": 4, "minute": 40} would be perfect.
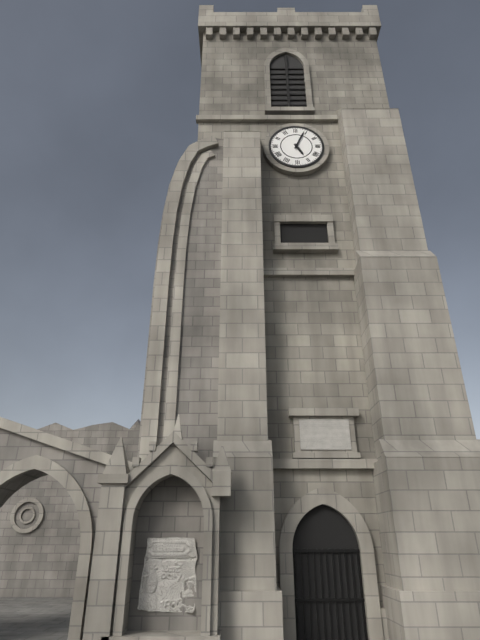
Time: {"hour": 5, "minute": 4}
